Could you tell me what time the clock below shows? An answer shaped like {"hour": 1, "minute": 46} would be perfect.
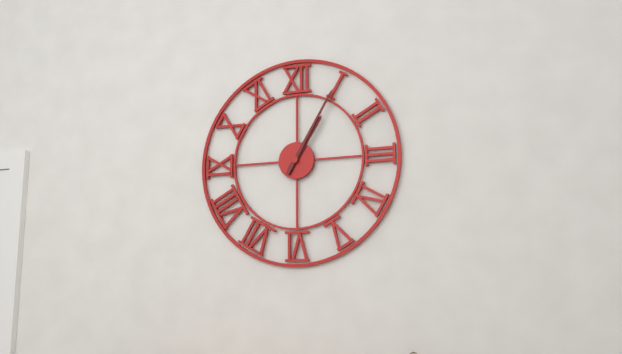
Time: {"hour": 1, "minute": 5}
